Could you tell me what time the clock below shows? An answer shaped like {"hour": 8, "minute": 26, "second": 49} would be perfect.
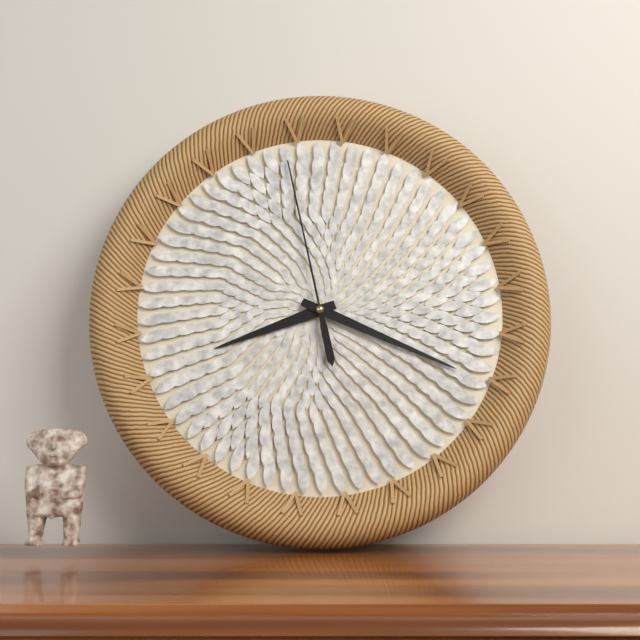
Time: {"hour": 8, "minute": 19, "second": 58}
